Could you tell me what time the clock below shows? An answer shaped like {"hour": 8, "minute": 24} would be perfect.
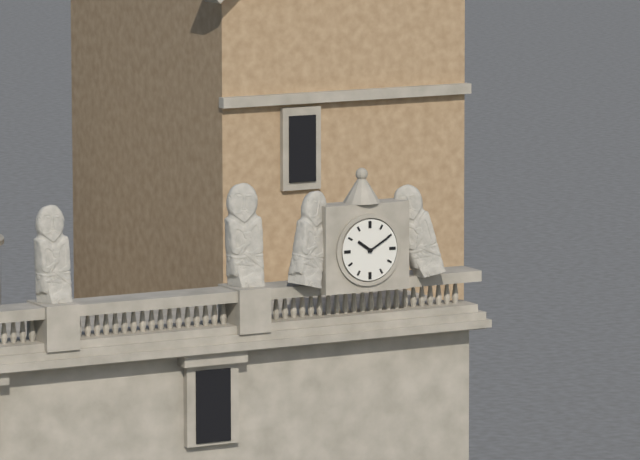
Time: {"hour": 10, "minute": 10}
